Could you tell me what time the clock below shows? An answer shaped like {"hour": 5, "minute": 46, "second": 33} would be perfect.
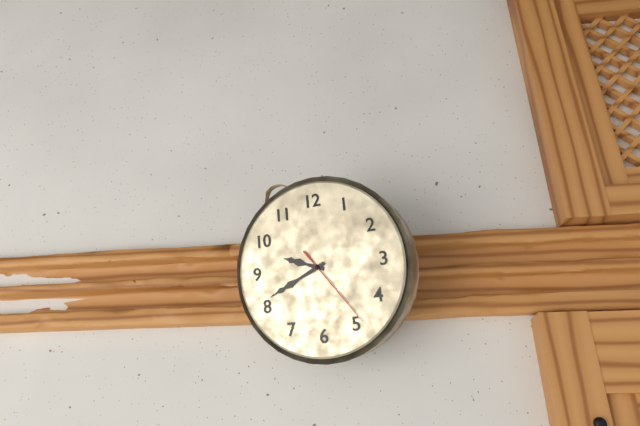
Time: {"hour": 9, "minute": 41, "second": 24}
